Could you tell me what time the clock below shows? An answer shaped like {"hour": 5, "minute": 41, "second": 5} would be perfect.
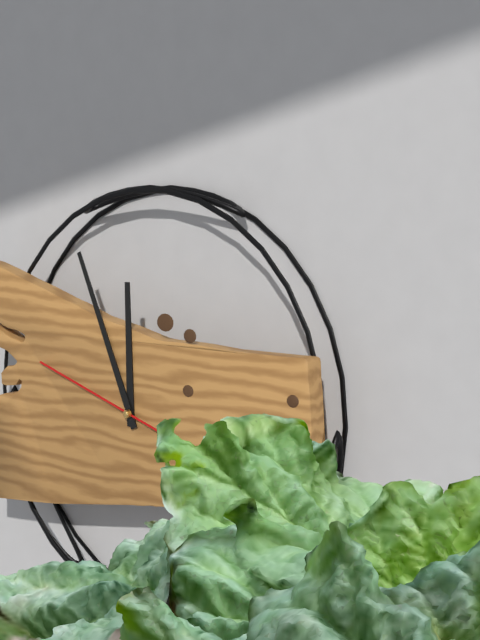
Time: {"hour": 11, "minute": 56, "second": 48}
